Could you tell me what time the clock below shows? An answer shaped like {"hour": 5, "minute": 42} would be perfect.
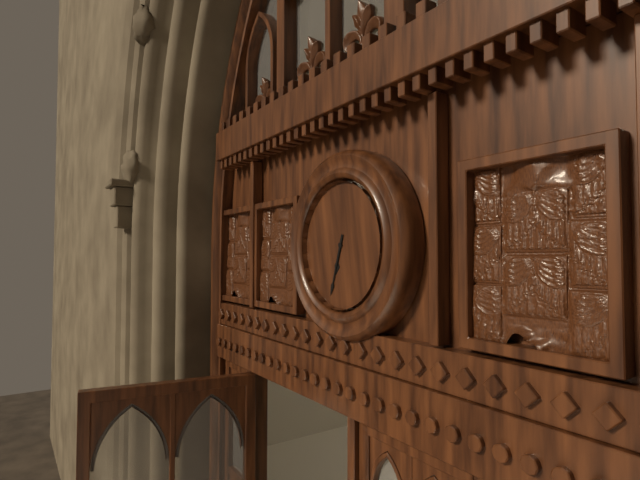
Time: {"hour": 6, "minute": 33}
